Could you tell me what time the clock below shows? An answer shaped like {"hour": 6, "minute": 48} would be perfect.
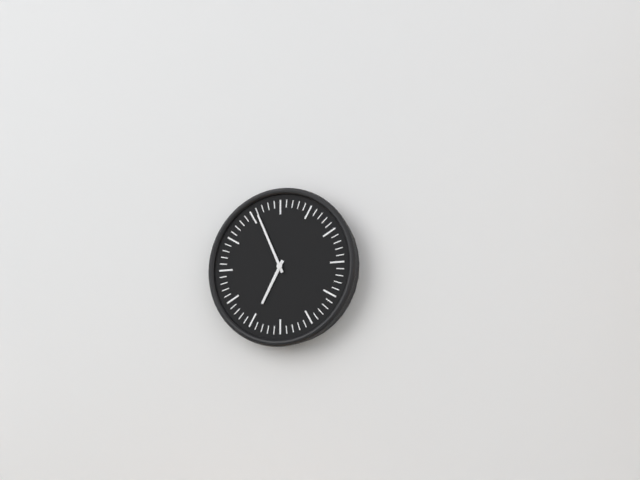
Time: {"hour": 6, "minute": 56}
